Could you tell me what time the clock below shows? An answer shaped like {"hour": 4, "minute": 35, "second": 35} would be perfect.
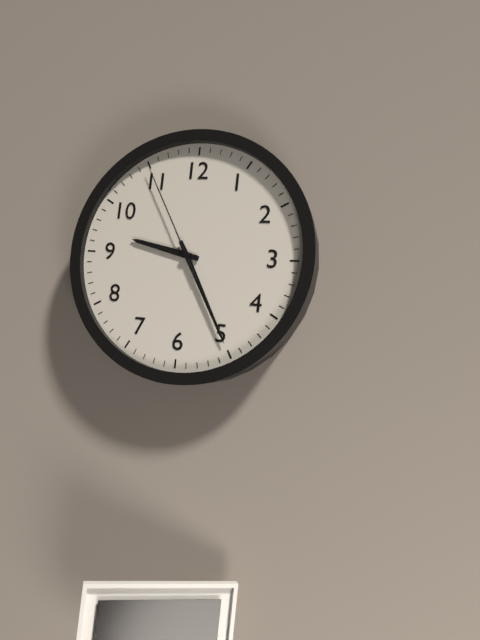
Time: {"hour": 9, "minute": 25, "second": 55}
